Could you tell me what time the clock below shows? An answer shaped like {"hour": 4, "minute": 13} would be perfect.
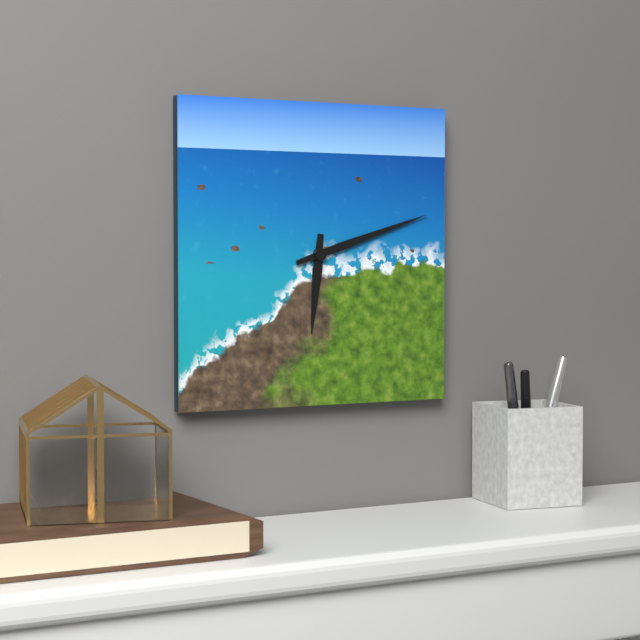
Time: {"hour": 6, "minute": 12}
